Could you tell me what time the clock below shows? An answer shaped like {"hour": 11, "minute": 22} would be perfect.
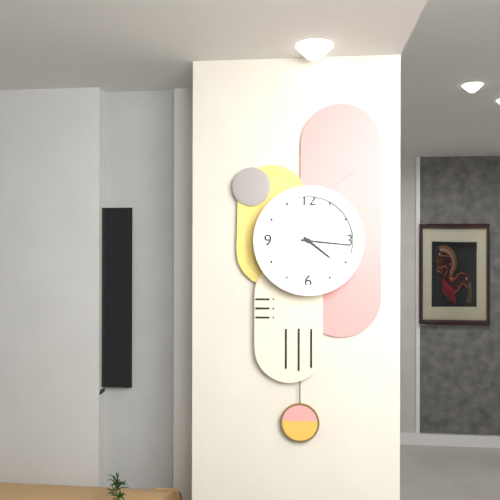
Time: {"hour": 4, "minute": 16}
